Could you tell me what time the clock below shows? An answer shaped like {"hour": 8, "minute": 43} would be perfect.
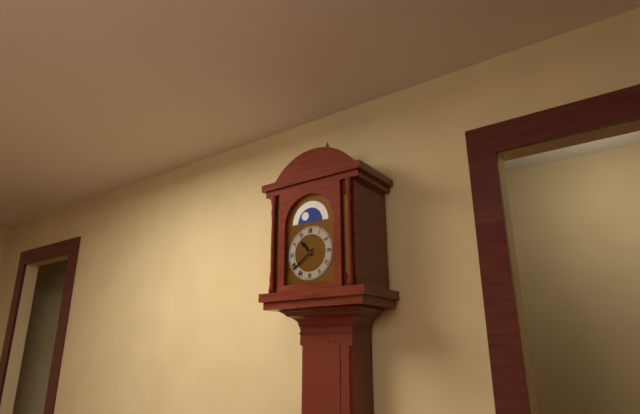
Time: {"hour": 10, "minute": 39}
